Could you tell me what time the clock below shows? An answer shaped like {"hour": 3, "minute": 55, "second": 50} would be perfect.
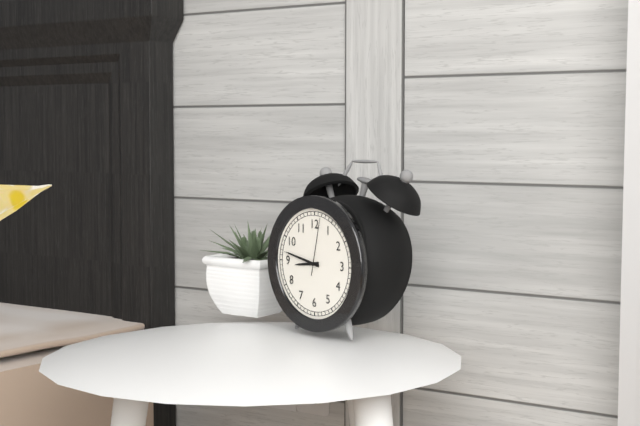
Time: {"hour": 8, "minute": 47, "second": 2}
